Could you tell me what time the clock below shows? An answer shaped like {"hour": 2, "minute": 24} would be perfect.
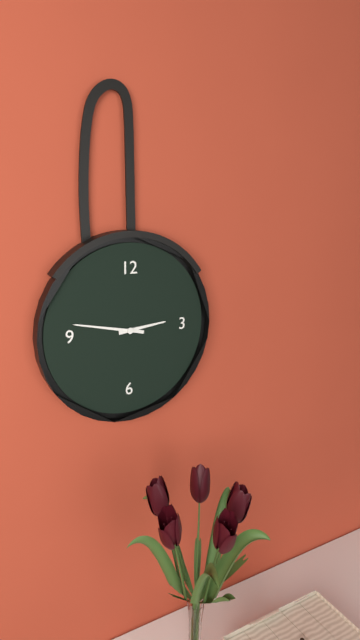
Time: {"hour": 2, "minute": 47}
